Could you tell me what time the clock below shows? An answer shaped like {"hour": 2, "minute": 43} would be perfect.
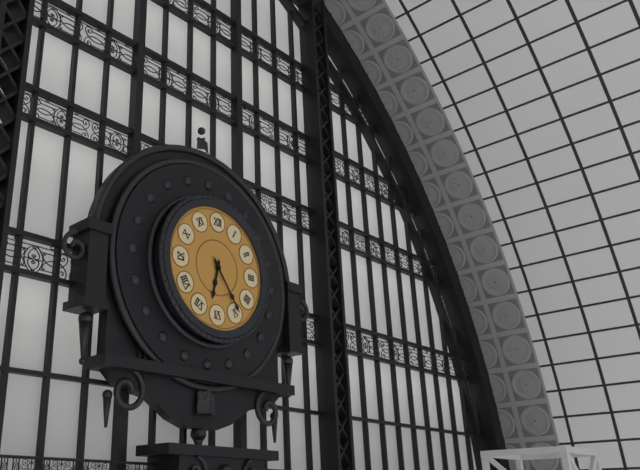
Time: {"hour": 6, "minute": 24}
